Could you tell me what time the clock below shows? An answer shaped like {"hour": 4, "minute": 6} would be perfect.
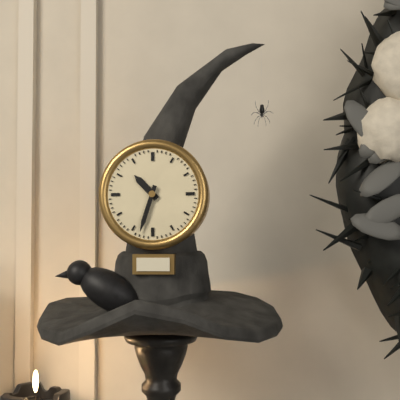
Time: {"hour": 10, "minute": 33}
